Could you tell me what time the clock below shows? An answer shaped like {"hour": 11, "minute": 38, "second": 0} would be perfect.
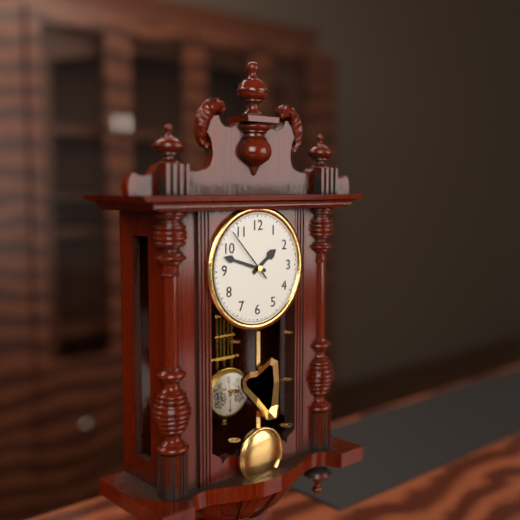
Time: {"hour": 1, "minute": 48, "second": 53}
